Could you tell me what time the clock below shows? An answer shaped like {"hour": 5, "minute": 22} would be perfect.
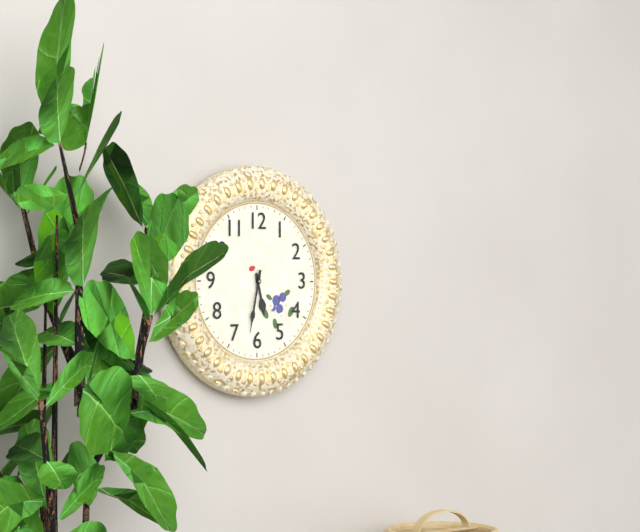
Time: {"hour": 5, "minute": 32}
